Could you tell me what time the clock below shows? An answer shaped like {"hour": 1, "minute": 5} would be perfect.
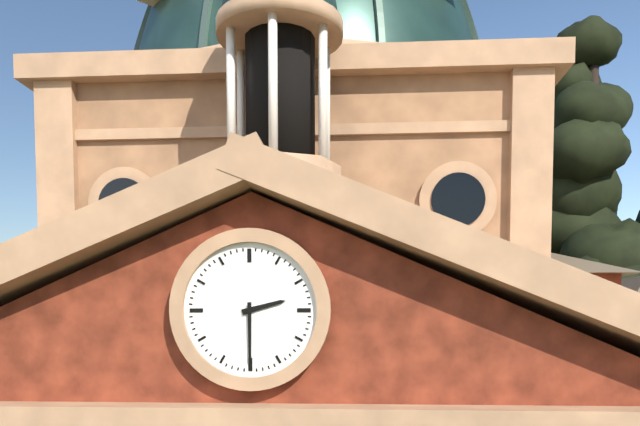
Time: {"hour": 2, "minute": 30}
